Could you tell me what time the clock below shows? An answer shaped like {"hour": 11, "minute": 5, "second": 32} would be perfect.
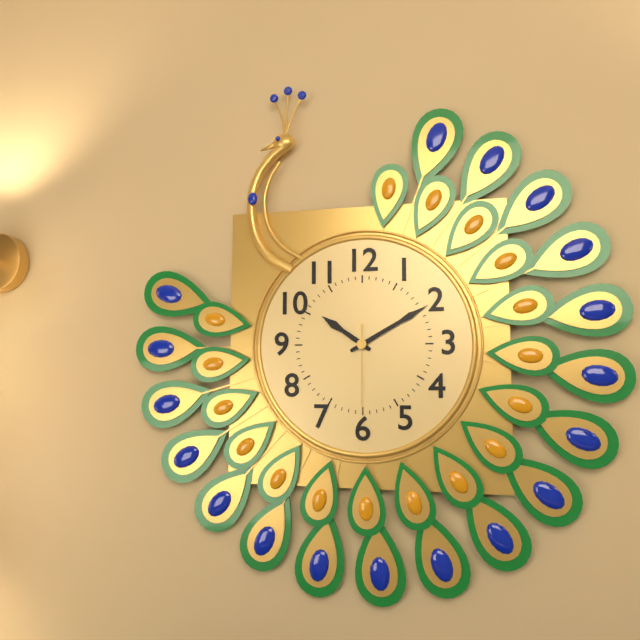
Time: {"hour": 10, "minute": 10, "second": 30}
